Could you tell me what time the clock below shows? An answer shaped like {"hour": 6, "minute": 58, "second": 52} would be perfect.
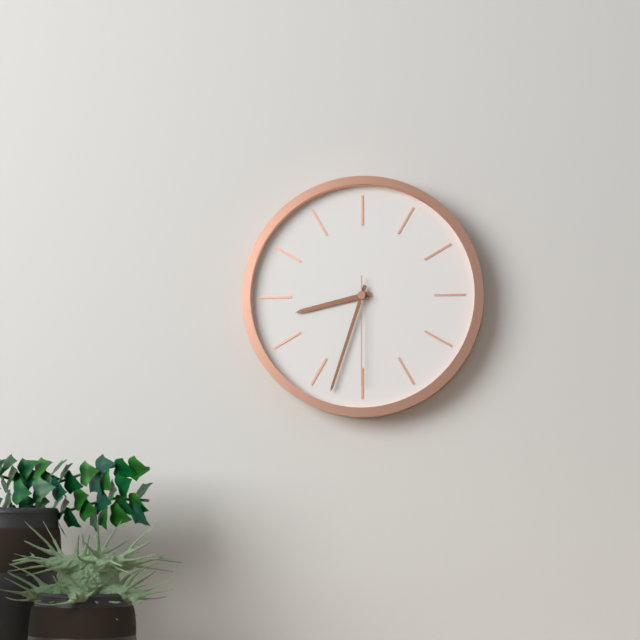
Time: {"hour": 8, "minute": 33, "second": 30}
